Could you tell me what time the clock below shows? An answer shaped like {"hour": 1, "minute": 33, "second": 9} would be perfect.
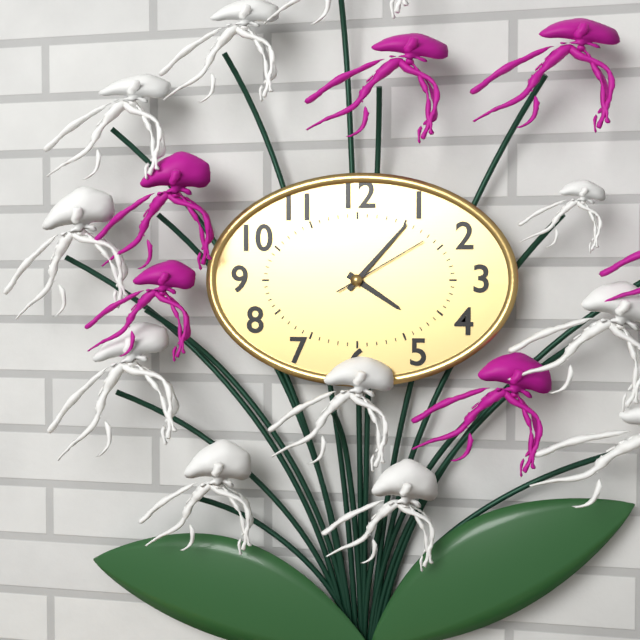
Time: {"hour": 4, "minute": 7, "second": 10}
